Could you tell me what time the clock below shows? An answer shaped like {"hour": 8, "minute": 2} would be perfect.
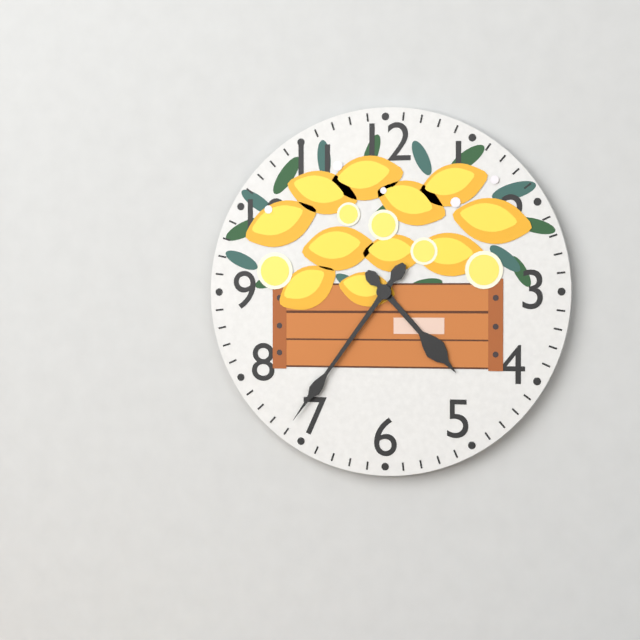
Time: {"hour": 4, "minute": 36}
